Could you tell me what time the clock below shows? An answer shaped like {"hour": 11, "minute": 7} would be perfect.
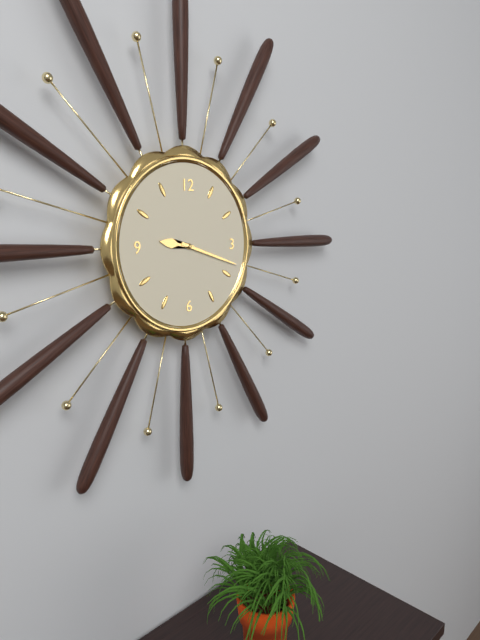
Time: {"hour": 9, "minute": 18}
